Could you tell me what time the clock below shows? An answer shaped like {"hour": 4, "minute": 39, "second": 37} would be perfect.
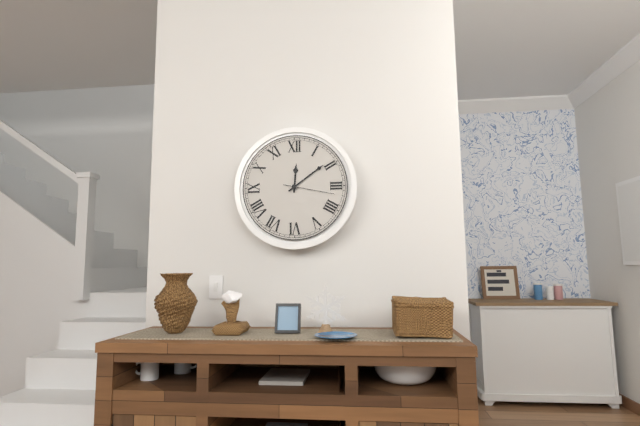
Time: {"hour": 12, "minute": 9, "second": 17}
